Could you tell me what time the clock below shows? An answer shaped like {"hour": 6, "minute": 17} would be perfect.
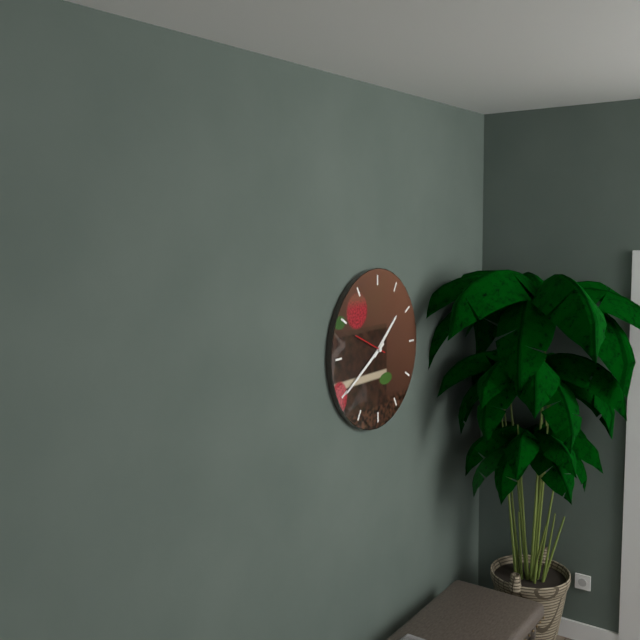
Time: {"hour": 1, "minute": 40}
